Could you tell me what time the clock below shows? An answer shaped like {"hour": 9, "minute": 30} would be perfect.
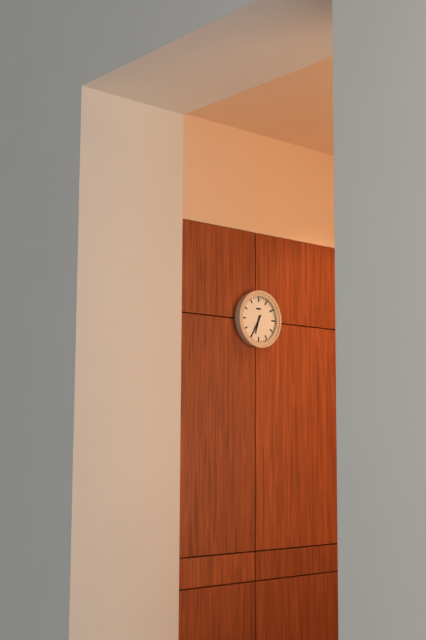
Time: {"hour": 6, "minute": 35}
